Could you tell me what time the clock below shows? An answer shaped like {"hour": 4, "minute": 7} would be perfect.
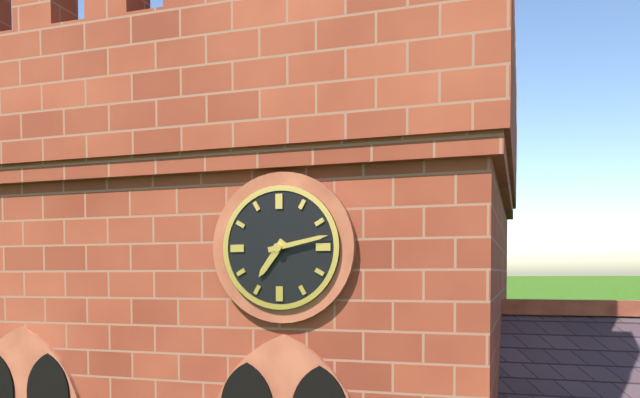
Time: {"hour": 7, "minute": 13}
